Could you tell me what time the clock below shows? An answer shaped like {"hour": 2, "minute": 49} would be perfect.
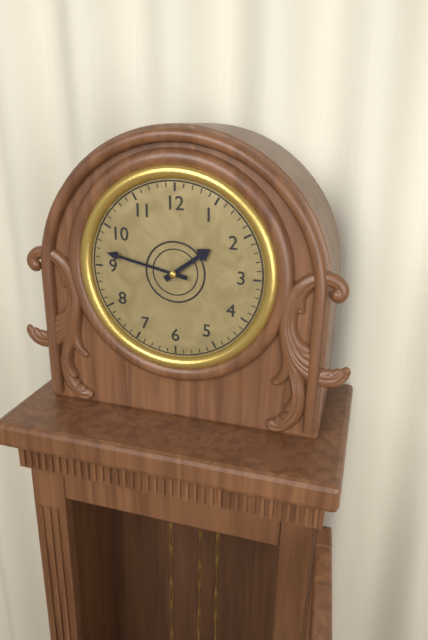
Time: {"hour": 1, "minute": 47}
